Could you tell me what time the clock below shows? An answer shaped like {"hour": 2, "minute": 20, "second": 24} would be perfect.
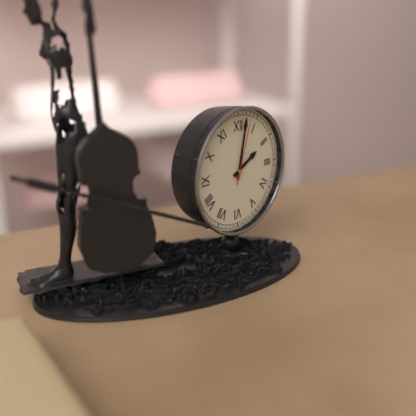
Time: {"hour": 2, "minute": 2, "second": 3}
